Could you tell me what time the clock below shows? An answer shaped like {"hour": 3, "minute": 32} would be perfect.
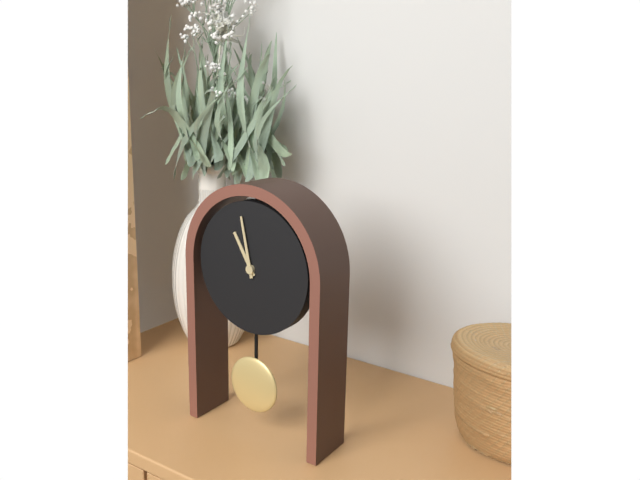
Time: {"hour": 10, "minute": 58}
